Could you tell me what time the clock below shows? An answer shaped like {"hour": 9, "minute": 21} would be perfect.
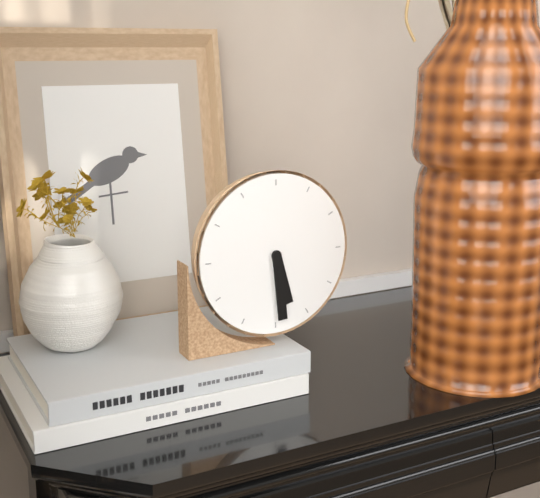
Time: {"hour": 5, "minute": 29}
